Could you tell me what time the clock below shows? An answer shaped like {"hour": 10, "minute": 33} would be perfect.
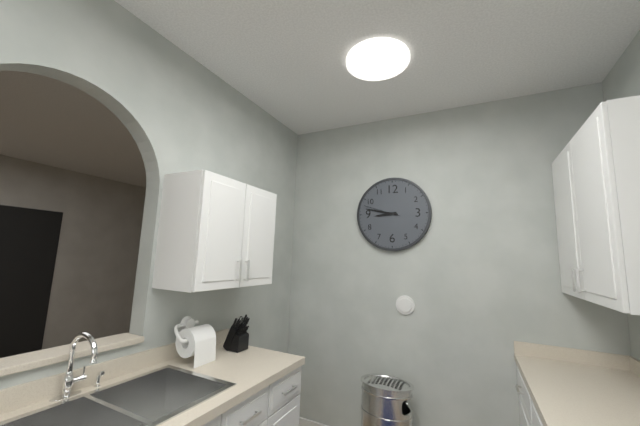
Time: {"hour": 8, "minute": 47}
